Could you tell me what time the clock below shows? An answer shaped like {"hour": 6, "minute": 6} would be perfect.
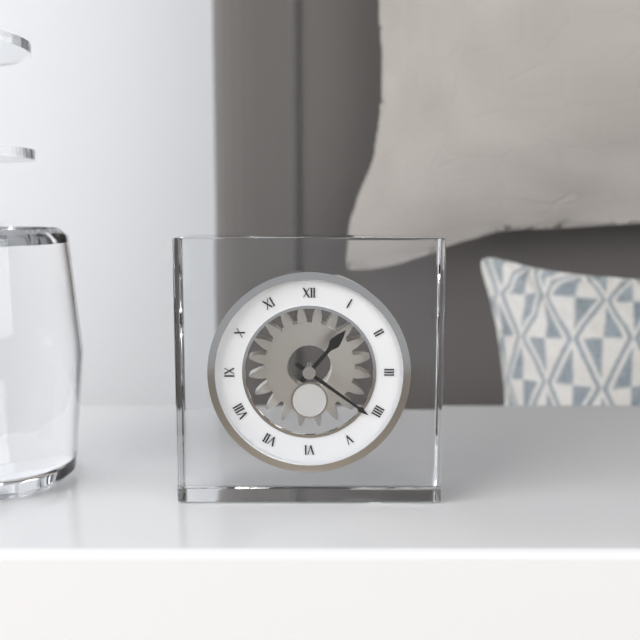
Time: {"hour": 1, "minute": 21}
